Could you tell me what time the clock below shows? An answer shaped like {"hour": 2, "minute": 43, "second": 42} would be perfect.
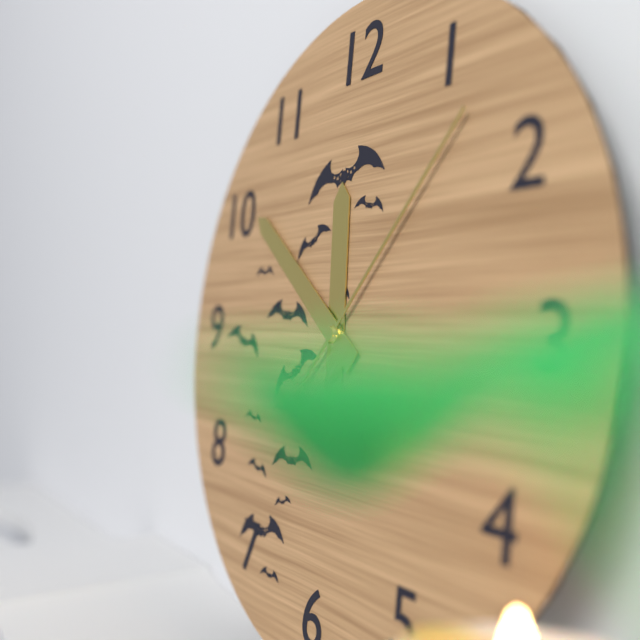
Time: {"hour": 11, "minute": 51, "second": 7}
